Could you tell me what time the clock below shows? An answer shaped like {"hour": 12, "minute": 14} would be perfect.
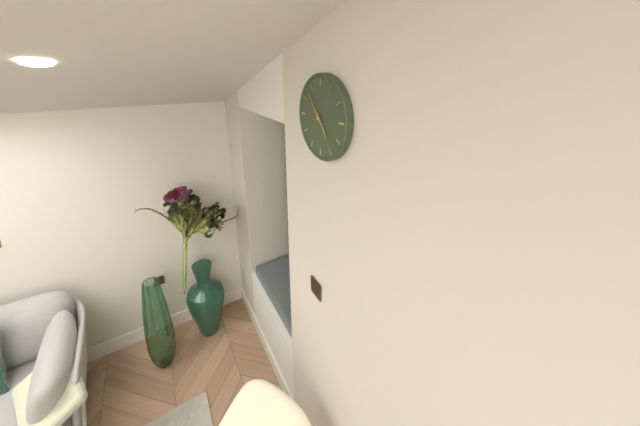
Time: {"hour": 4, "minute": 53}
